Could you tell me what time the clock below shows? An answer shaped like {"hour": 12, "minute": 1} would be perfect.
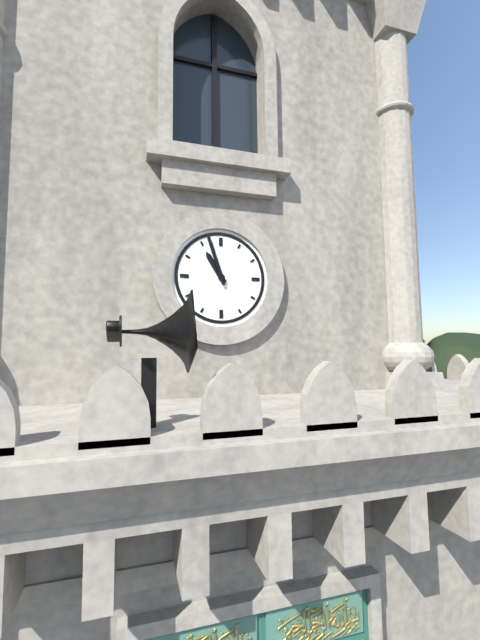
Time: {"hour": 10, "minute": 57}
